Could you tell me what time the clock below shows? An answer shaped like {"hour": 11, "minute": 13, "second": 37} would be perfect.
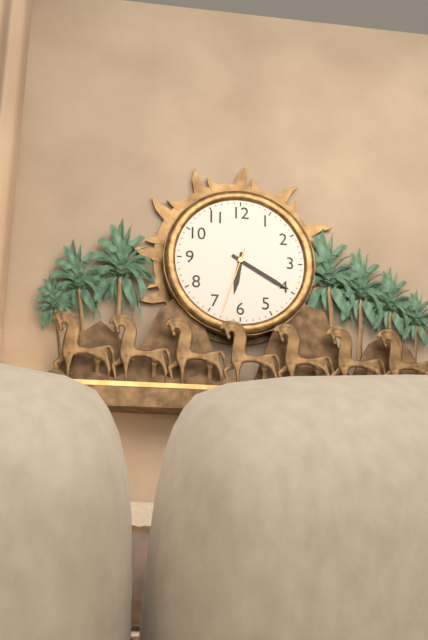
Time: {"hour": 6, "minute": 20, "second": 33}
